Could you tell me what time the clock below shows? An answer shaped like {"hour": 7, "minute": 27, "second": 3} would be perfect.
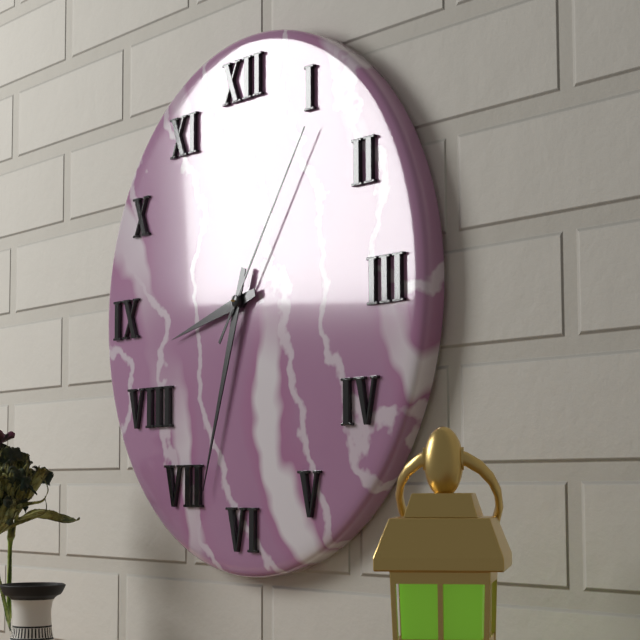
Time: {"hour": 8, "minute": 33, "second": 6}
